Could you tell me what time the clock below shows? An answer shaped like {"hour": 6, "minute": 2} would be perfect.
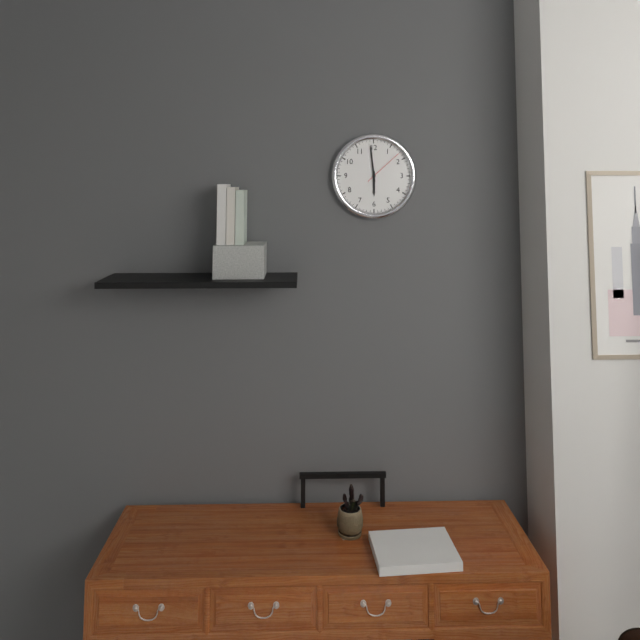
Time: {"hour": 5, "minute": 59}
